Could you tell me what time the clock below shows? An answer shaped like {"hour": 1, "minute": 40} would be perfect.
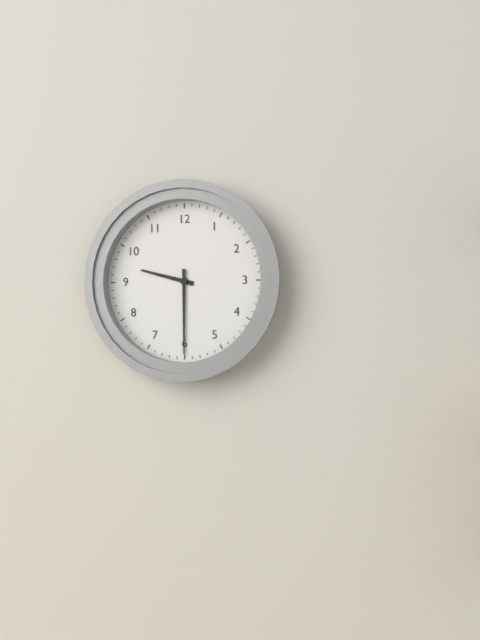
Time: {"hour": 9, "minute": 30}
